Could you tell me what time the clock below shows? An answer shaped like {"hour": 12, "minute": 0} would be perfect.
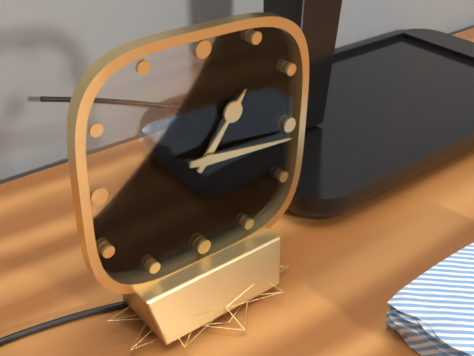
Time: {"hour": 1, "minute": 16}
